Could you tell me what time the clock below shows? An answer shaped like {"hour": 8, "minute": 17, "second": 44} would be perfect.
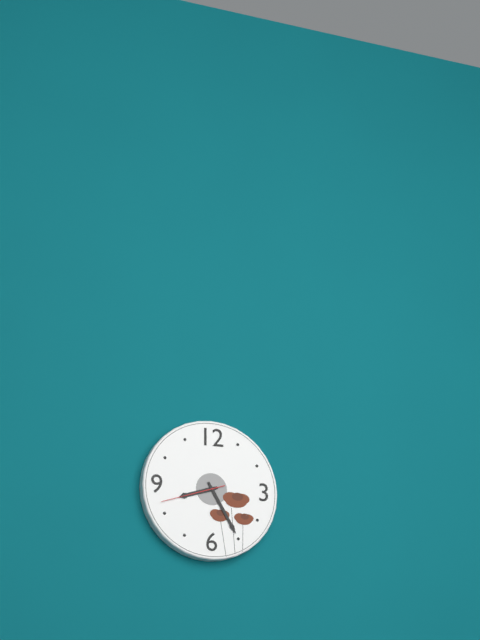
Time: {"hour": 8, "minute": 25, "second": 42}
